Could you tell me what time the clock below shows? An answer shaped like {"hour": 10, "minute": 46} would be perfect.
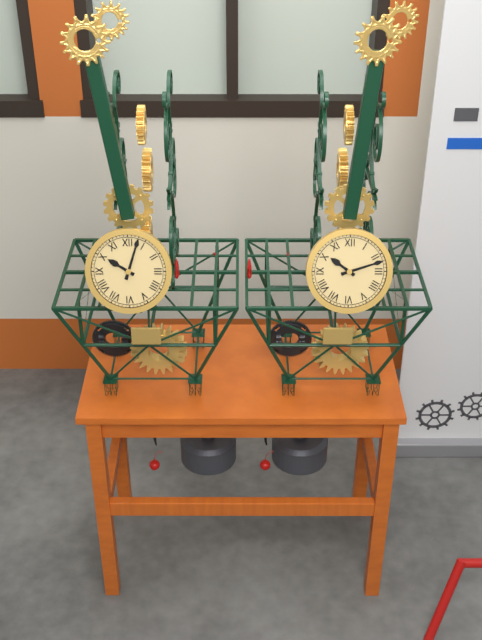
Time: {"hour": 10, "minute": 3}
